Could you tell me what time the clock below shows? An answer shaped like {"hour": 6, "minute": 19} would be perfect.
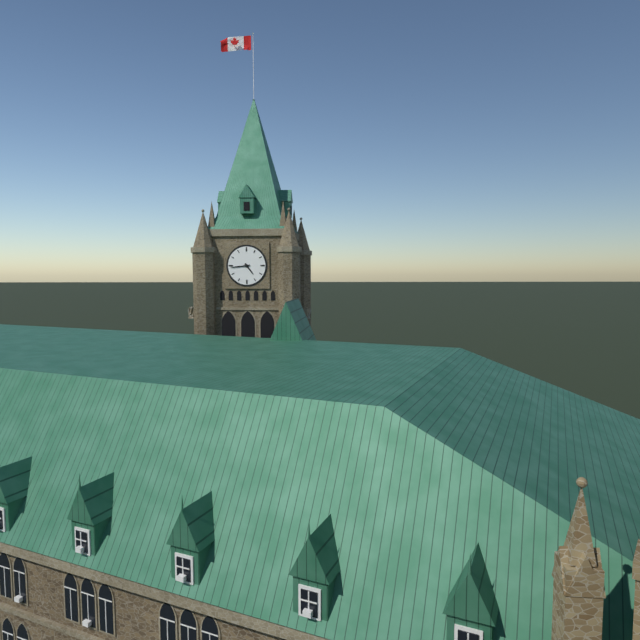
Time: {"hour": 4, "minute": 44}
